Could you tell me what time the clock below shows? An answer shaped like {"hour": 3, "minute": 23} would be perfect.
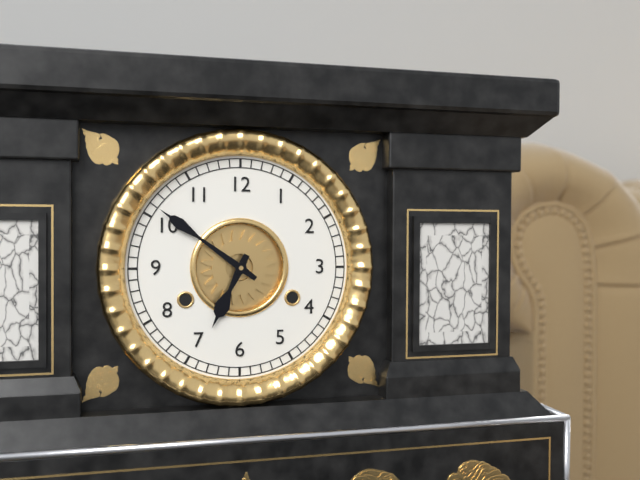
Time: {"hour": 6, "minute": 51}
